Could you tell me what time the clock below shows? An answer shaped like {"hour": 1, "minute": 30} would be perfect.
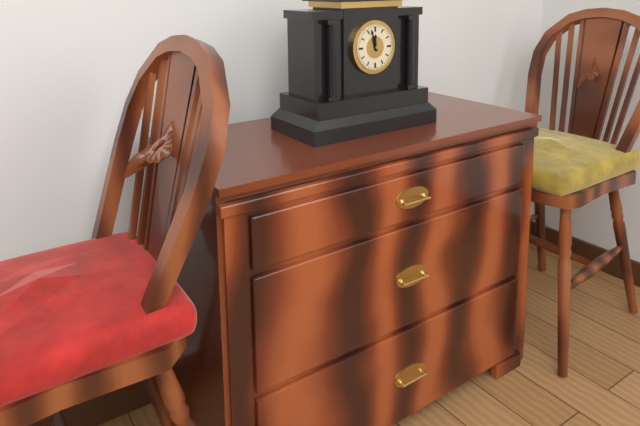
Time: {"hour": 11, "minute": 57}
